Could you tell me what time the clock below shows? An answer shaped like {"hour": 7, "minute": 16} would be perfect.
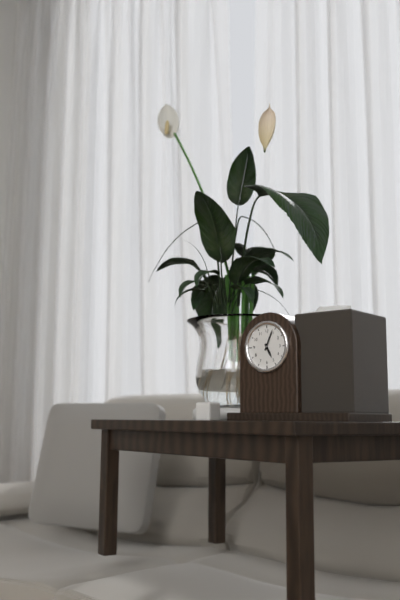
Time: {"hour": 5, "minute": 4}
